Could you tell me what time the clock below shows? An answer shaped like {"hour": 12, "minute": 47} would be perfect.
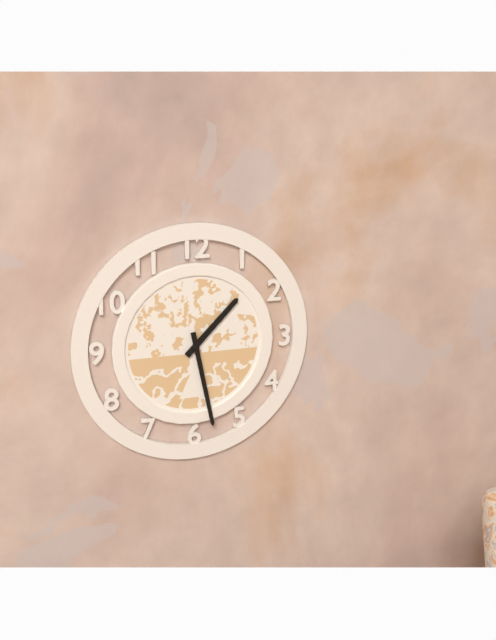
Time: {"hour": 1, "minute": 28}
